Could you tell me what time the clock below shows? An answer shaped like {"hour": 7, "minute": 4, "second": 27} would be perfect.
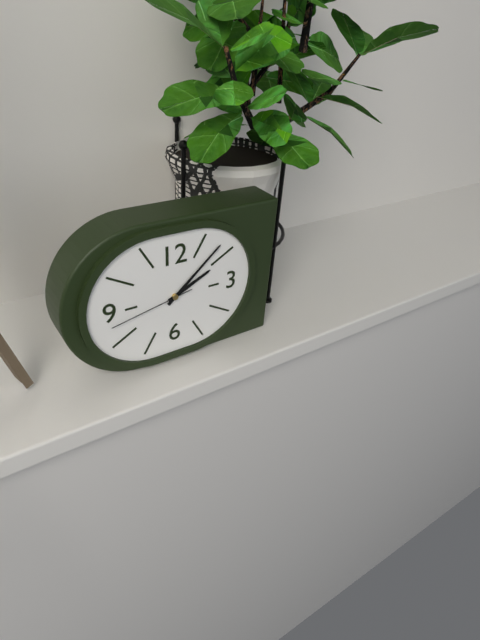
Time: {"hour": 2, "minute": 8, "second": 43}
